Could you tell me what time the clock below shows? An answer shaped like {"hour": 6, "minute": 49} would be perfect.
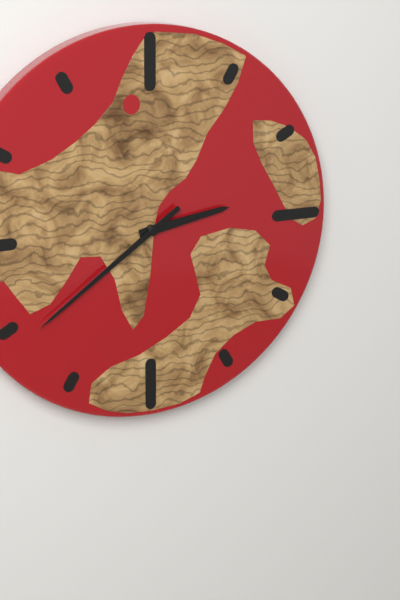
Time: {"hour": 2, "minute": 39}
